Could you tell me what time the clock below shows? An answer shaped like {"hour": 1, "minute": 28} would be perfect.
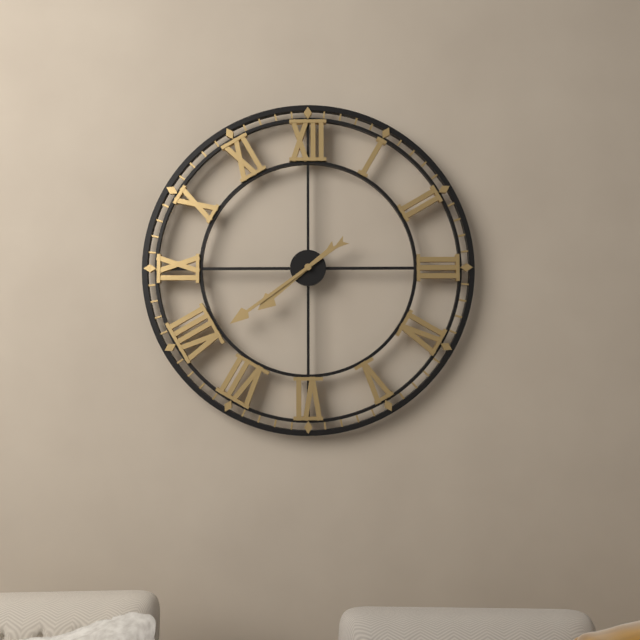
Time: {"hour": 7, "minute": 39}
